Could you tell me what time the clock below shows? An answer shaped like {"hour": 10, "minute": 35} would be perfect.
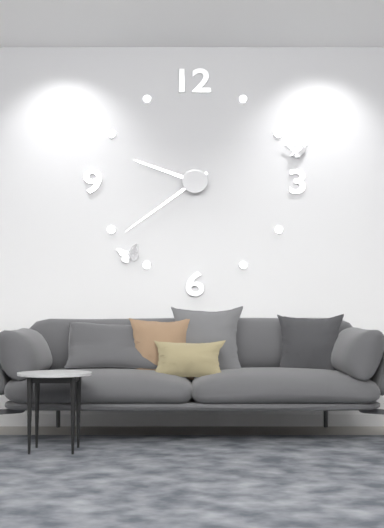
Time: {"hour": 9, "minute": 39}
